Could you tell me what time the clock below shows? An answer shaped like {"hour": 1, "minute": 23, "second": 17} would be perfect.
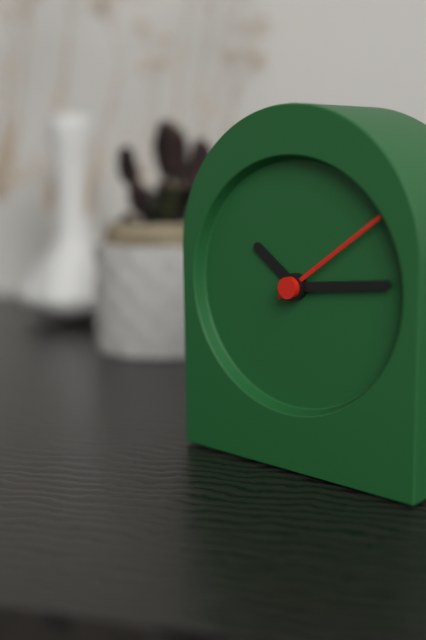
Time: {"hour": 10, "minute": 14, "second": 9}
